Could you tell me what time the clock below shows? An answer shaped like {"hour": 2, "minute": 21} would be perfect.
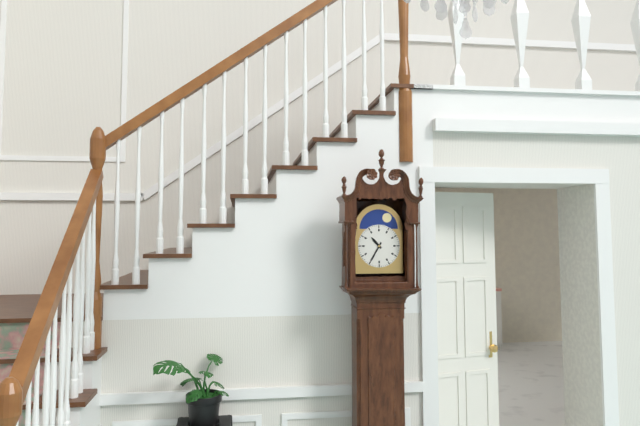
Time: {"hour": 10, "minute": 35}
